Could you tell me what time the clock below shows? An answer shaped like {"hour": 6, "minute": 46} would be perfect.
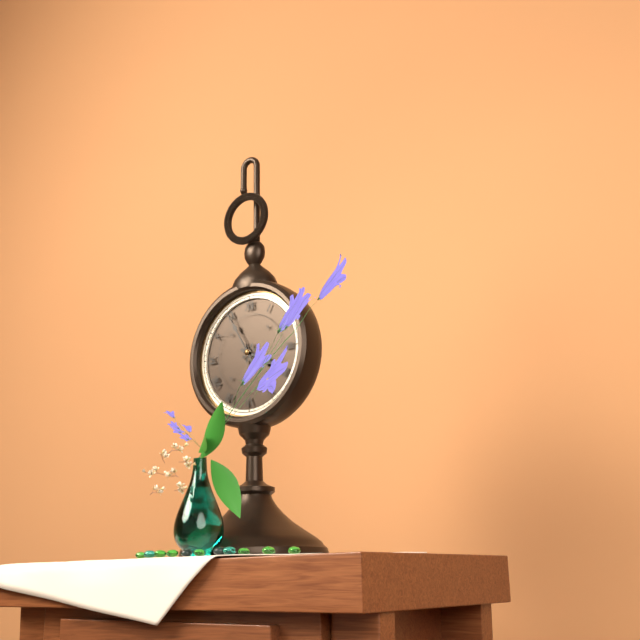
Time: {"hour": 3, "minute": 55}
